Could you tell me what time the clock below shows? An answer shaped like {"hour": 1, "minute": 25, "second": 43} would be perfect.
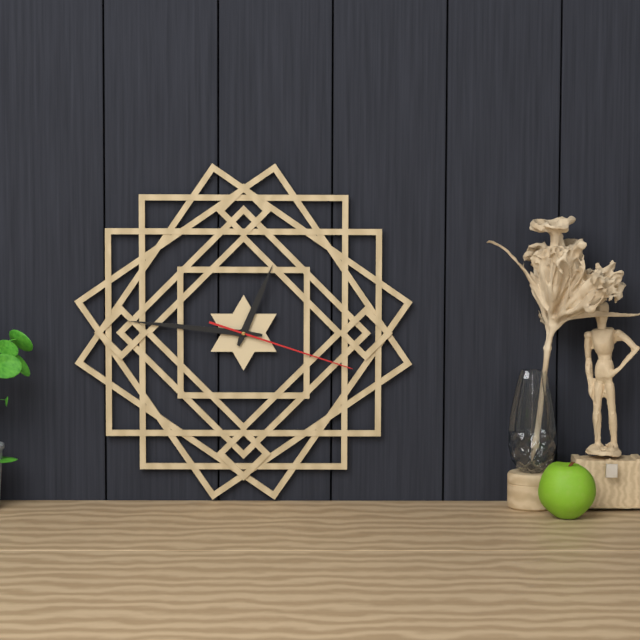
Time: {"hour": 12, "minute": 46, "second": 18}
